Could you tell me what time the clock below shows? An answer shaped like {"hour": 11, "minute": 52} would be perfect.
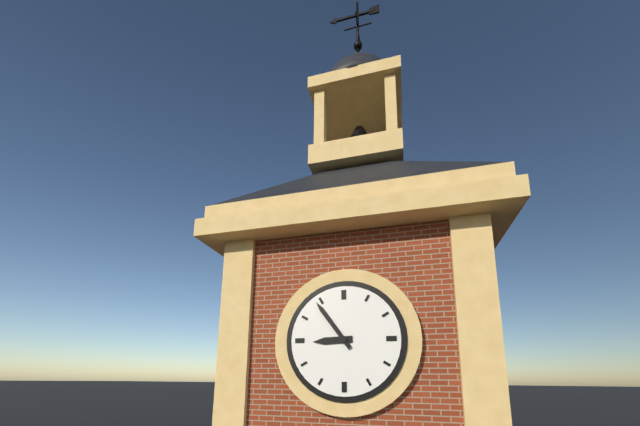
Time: {"hour": 8, "minute": 54}
